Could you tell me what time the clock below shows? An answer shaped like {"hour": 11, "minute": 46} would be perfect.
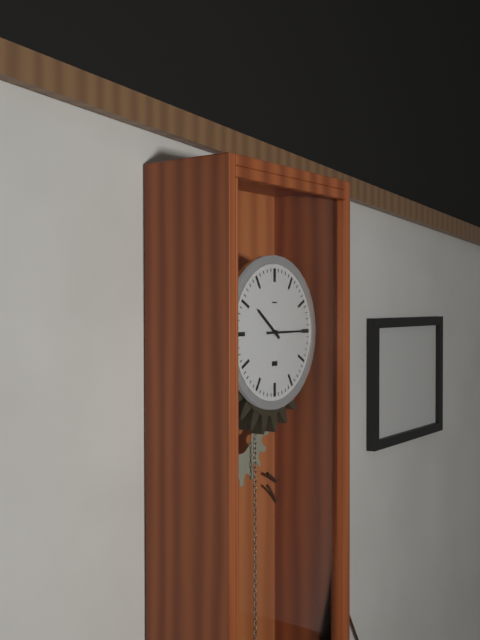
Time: {"hour": 10, "minute": 15}
